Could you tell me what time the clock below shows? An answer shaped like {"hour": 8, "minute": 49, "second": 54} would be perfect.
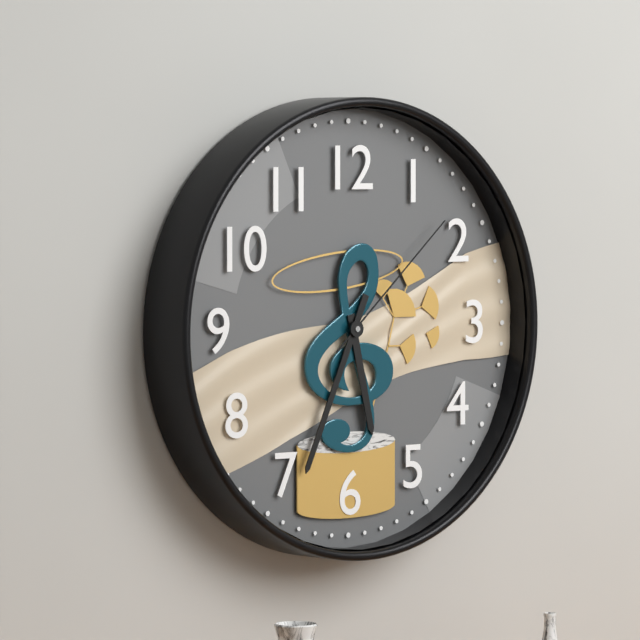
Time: {"hour": 5, "minute": 34, "second": 8}
